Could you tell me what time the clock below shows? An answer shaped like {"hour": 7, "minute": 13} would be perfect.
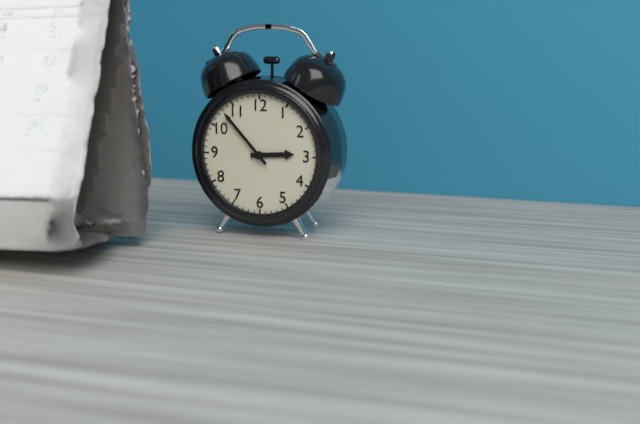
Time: {"hour": 2, "minute": 53}
